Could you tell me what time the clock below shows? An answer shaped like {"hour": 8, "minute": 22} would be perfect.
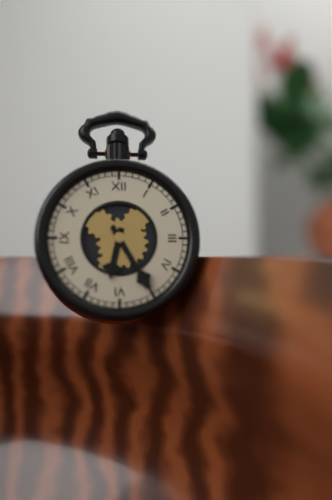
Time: {"hour": 6, "minute": 25}
